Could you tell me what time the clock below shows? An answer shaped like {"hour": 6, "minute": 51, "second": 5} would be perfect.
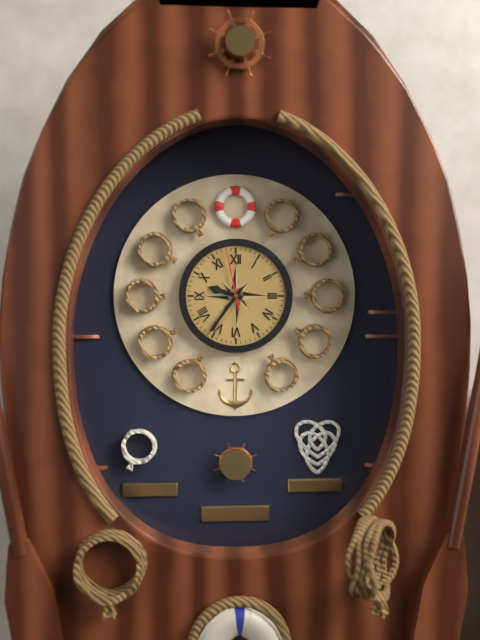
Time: {"hour": 9, "minute": 36, "second": 58}
